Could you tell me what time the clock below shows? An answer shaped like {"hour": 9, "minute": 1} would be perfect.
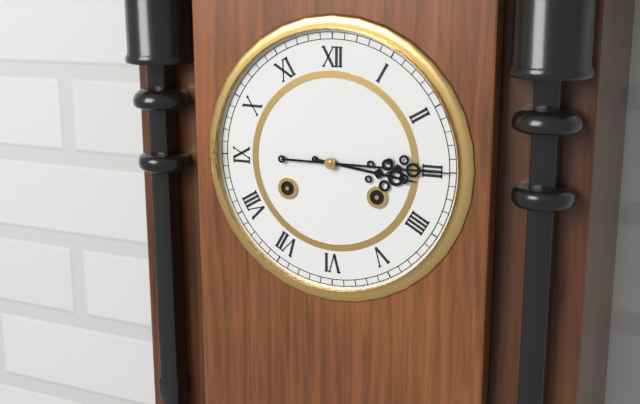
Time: {"hour": 3, "minute": 15}
